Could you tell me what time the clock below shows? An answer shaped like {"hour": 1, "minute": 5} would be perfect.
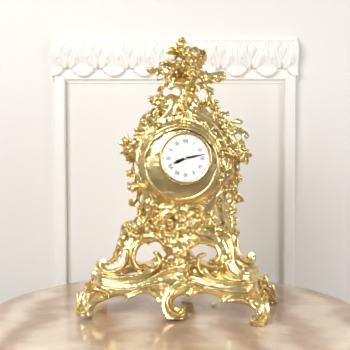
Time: {"hour": 8, "minute": 13}
